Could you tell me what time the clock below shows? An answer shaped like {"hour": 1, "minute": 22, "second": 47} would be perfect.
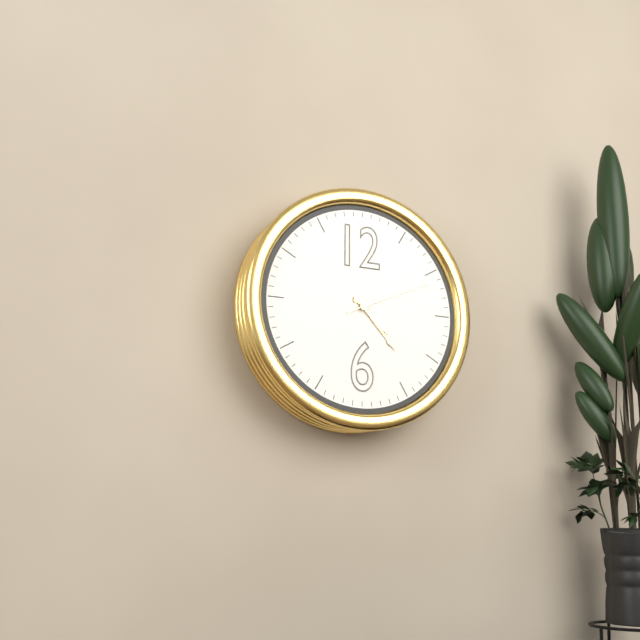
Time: {"hour": 4, "minute": 23, "second": 11}
